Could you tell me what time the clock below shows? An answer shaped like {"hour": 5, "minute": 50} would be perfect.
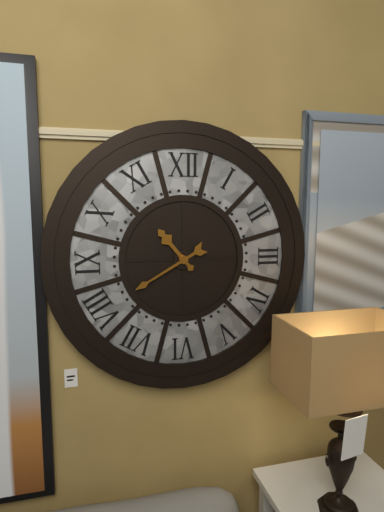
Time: {"hour": 10, "minute": 40}
